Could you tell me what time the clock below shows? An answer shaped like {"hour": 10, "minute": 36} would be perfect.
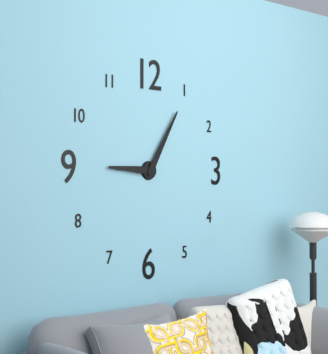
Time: {"hour": 9, "minute": 5}
